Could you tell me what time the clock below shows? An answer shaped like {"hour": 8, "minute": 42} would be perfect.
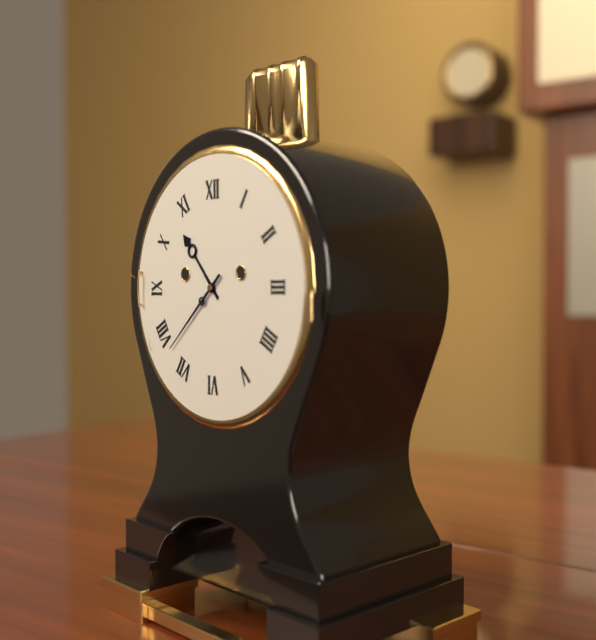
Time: {"hour": 10, "minute": 38}
